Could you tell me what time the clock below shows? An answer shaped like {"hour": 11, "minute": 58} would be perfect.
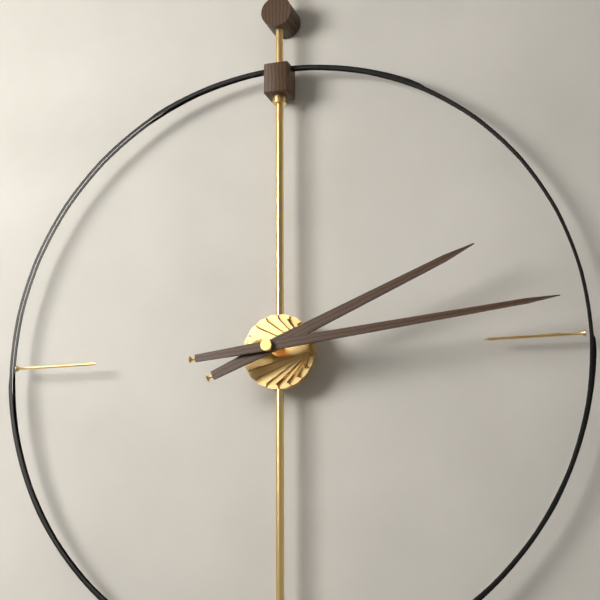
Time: {"hour": 2, "minute": 14}
